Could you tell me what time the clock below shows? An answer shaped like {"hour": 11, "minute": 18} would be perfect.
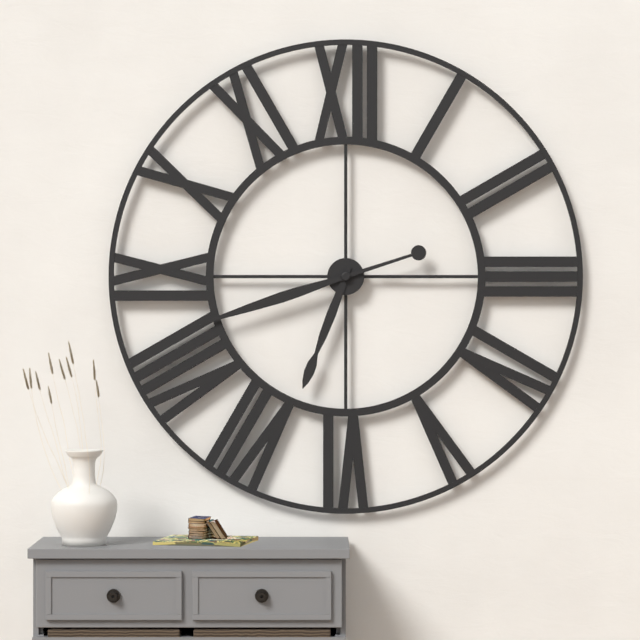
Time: {"hour": 6, "minute": 42}
